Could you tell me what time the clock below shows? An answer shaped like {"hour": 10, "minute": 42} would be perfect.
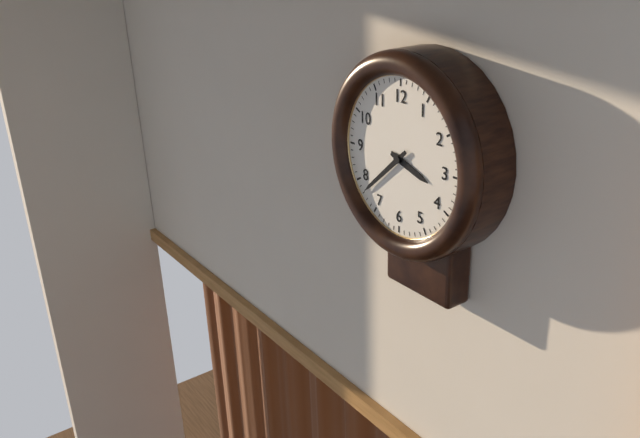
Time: {"hour": 3, "minute": 38}
